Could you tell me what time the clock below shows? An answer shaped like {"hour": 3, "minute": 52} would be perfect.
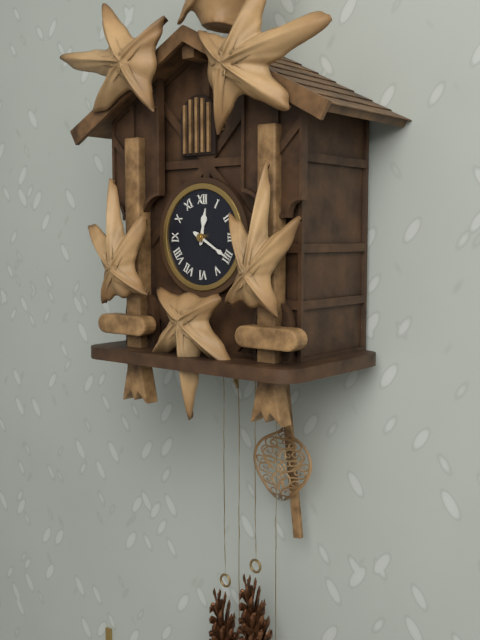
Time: {"hour": 12, "minute": 20}
